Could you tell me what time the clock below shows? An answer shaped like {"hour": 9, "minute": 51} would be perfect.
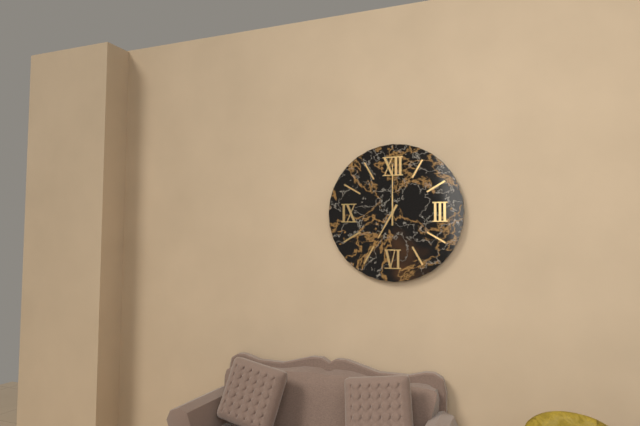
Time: {"hour": 7, "minute": 0}
